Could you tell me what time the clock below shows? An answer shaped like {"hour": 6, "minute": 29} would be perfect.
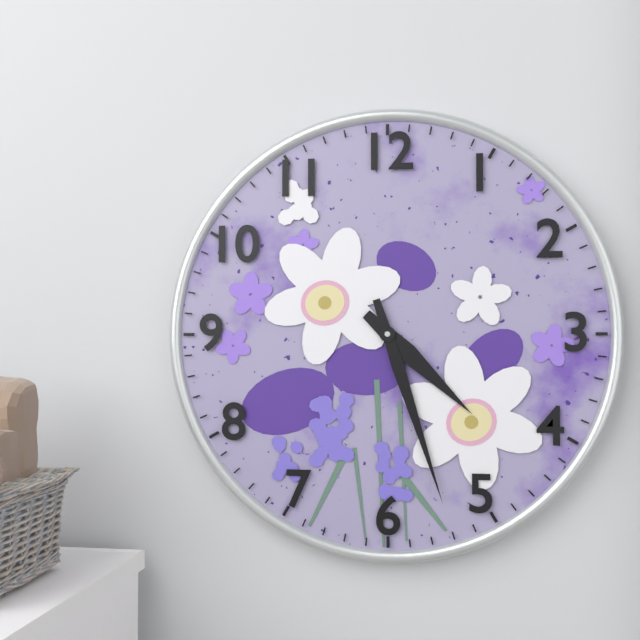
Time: {"hour": 4, "minute": 27}
